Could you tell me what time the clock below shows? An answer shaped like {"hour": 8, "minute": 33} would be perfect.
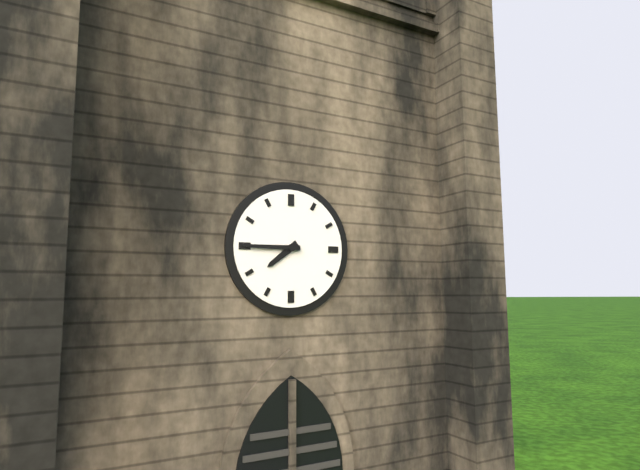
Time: {"hour": 7, "minute": 45}
